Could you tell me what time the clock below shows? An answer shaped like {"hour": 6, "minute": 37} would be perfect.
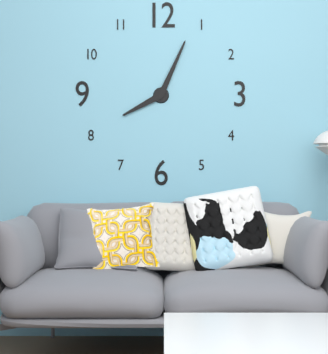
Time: {"hour": 8, "minute": 4}
